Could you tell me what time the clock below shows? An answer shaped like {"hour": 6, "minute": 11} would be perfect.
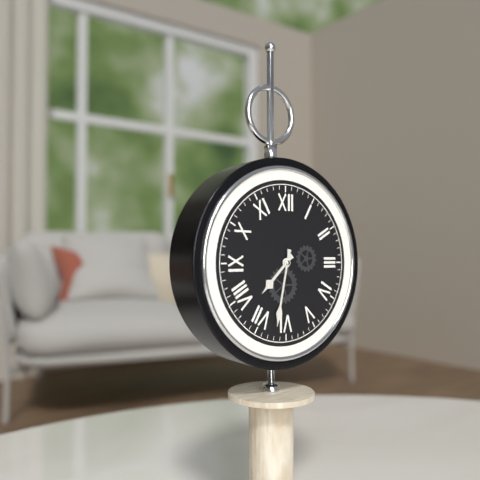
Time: {"hour": 7, "minute": 32}
